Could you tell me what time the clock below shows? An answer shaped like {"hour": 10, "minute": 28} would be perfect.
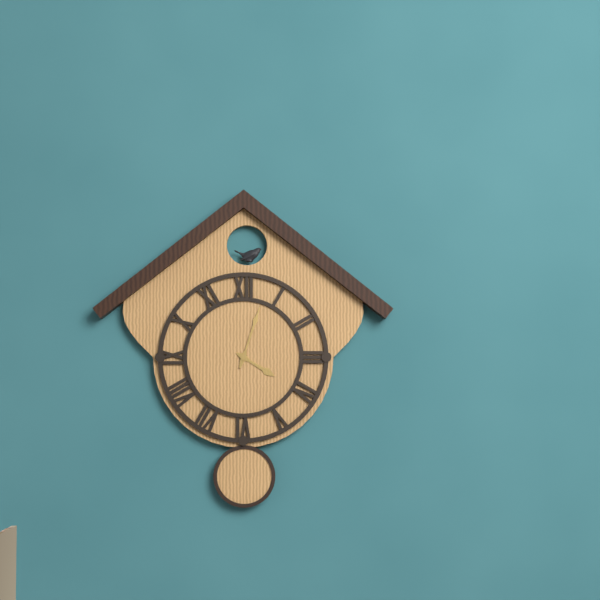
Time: {"hour": 4, "minute": 3}
